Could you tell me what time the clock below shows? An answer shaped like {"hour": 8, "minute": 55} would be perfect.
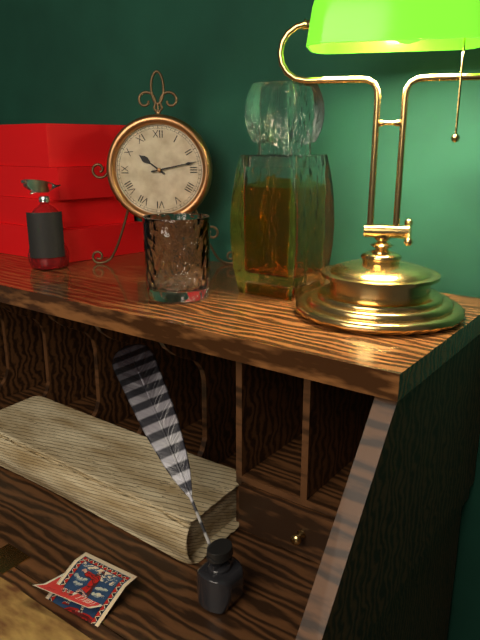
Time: {"hour": 10, "minute": 13}
